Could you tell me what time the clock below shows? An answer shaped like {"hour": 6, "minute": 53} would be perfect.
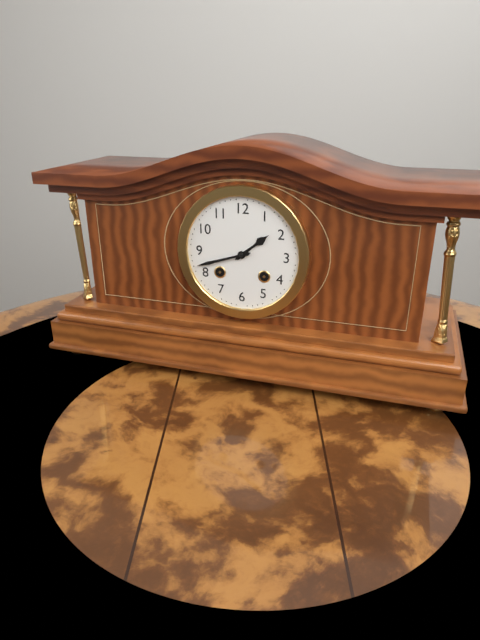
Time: {"hour": 1, "minute": 42}
